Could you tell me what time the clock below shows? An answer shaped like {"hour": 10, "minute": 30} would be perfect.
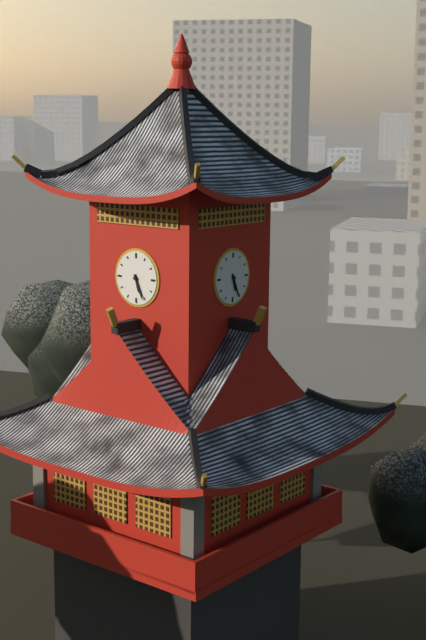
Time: {"hour": 5, "minute": 26}
